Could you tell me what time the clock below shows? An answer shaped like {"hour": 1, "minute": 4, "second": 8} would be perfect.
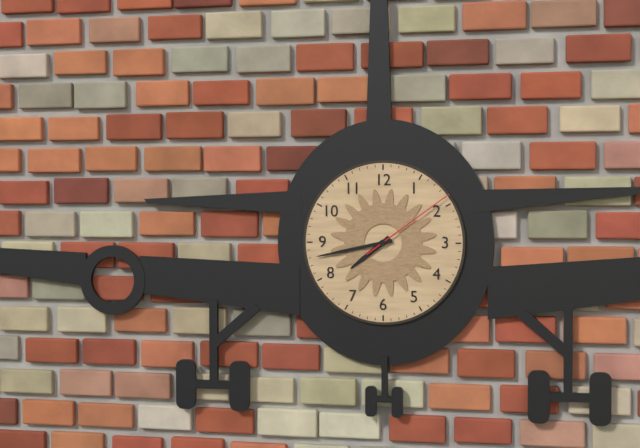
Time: {"hour": 7, "minute": 43, "second": 9}
